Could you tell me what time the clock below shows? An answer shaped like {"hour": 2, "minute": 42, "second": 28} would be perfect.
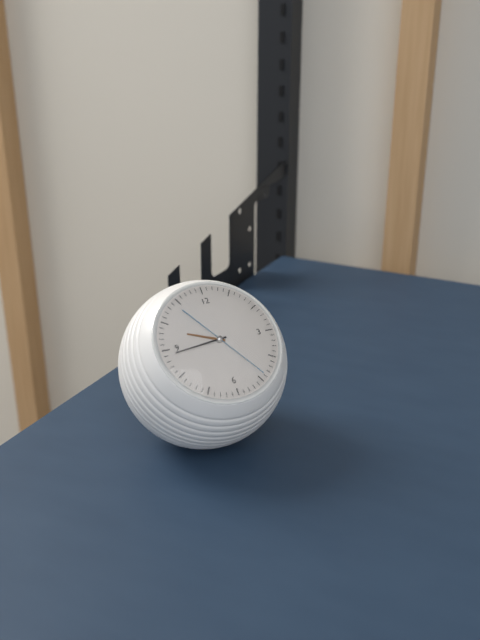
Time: {"hour": 9, "minute": 44, "second": 24}
